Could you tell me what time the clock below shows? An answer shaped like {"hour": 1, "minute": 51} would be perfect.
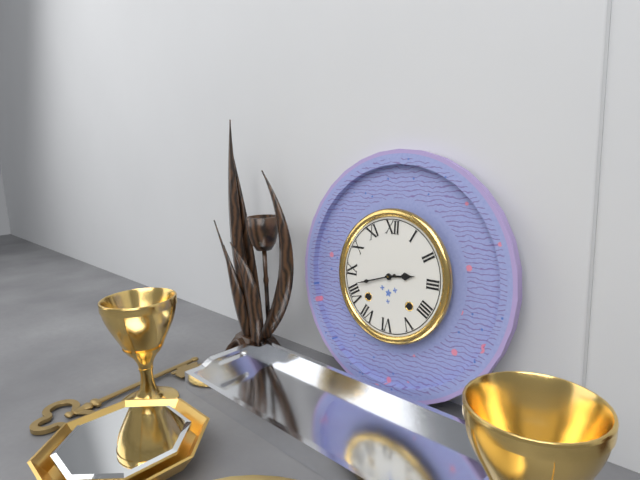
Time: {"hour": 2, "minute": 42}
